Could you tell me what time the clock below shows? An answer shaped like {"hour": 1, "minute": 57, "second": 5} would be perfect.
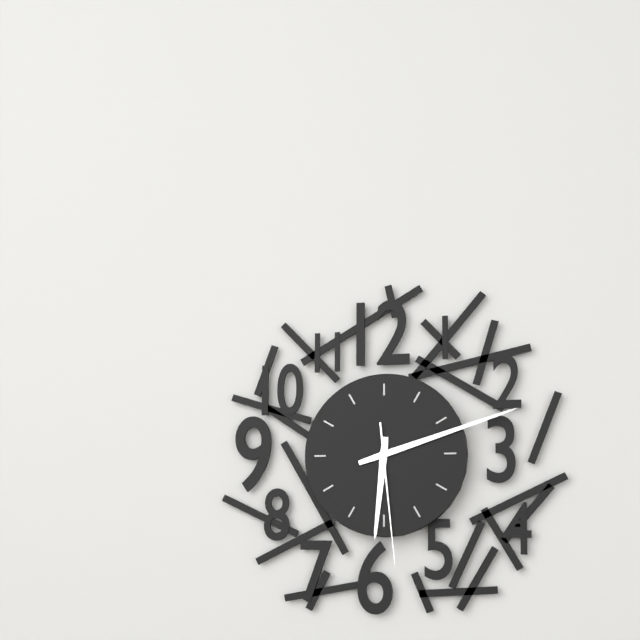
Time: {"hour": 6, "minute": 12, "second": 29}
